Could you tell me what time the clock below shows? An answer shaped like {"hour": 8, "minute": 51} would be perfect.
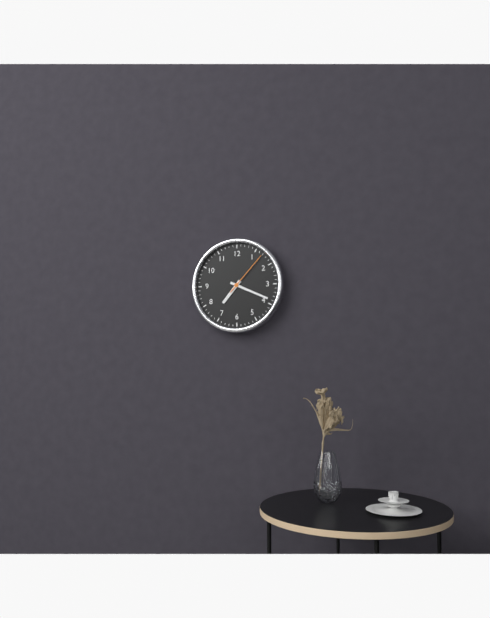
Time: {"hour": 7, "minute": 19}
